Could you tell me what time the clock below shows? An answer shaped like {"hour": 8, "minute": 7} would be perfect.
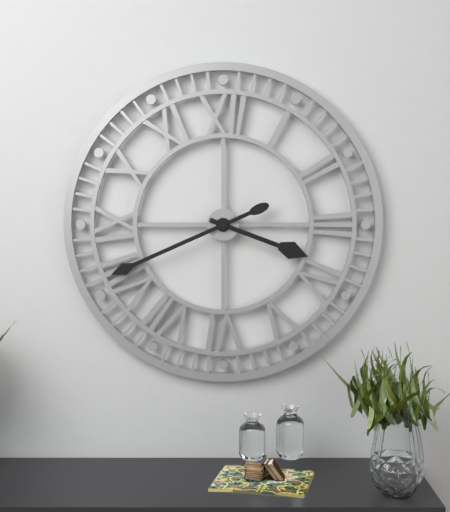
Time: {"hour": 3, "minute": 41}
